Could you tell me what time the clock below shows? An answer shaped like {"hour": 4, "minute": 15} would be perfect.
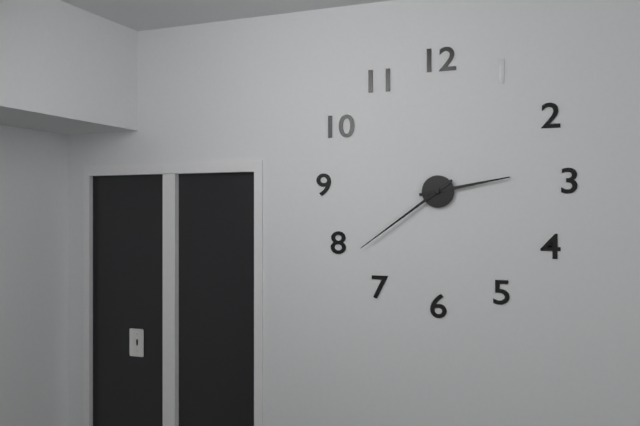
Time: {"hour": 2, "minute": 39}
